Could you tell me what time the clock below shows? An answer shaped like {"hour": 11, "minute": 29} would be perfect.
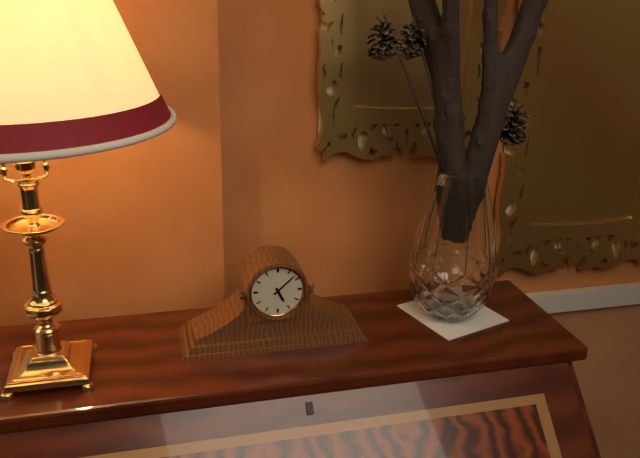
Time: {"hour": 5, "minute": 8}
